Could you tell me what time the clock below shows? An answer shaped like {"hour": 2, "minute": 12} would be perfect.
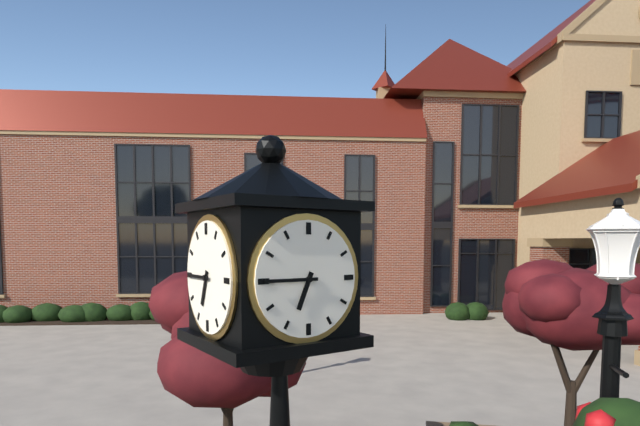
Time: {"hour": 6, "minute": 45}
